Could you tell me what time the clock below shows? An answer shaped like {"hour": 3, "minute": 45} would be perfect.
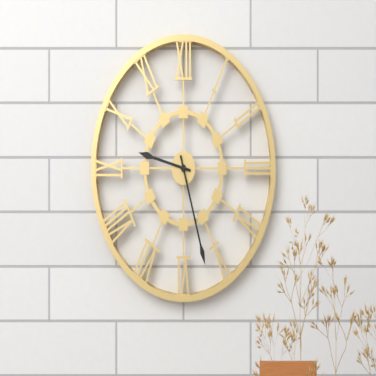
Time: {"hour": 9, "minute": 27}
